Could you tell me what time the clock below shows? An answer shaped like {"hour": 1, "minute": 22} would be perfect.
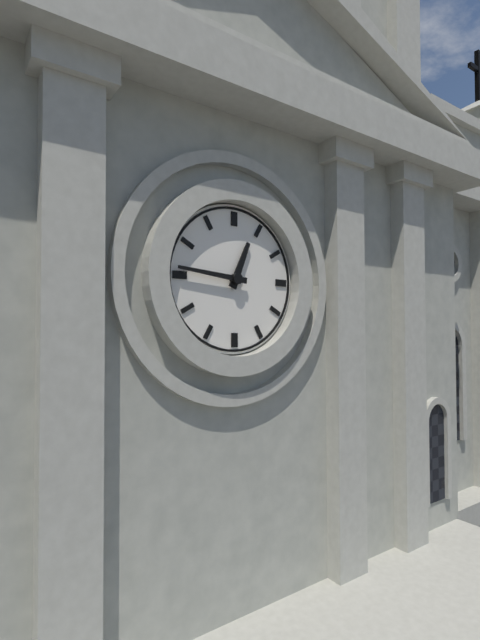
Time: {"hour": 12, "minute": 46}
